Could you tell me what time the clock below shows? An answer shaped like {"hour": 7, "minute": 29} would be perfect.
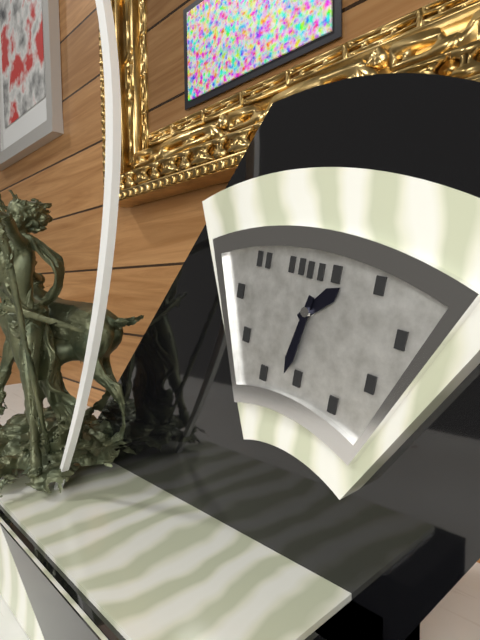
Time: {"hour": 1, "minute": 32}
